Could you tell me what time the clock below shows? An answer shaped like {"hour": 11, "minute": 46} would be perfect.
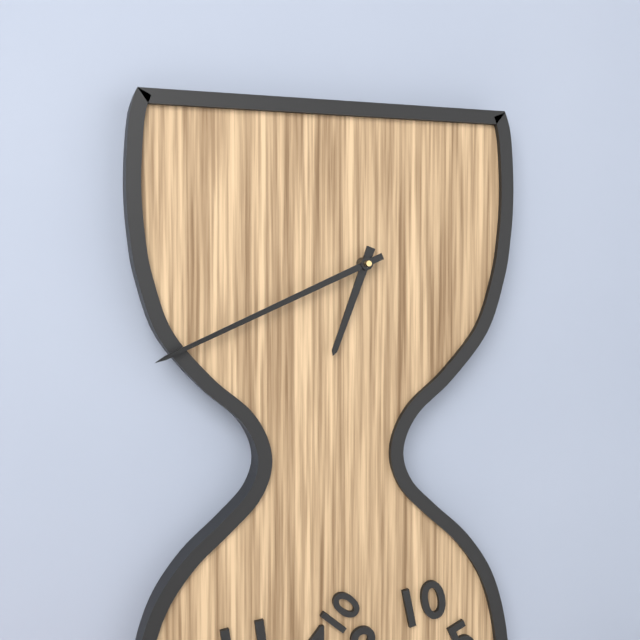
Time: {"hour": 6, "minute": 41}
